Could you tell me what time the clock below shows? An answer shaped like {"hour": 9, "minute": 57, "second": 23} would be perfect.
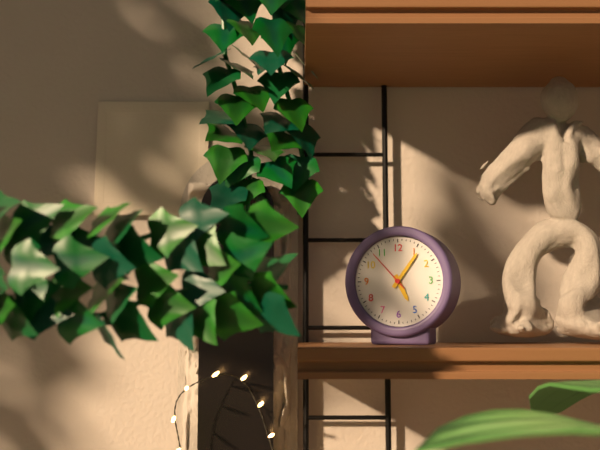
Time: {"hour": 5, "minute": 6, "second": 53}
